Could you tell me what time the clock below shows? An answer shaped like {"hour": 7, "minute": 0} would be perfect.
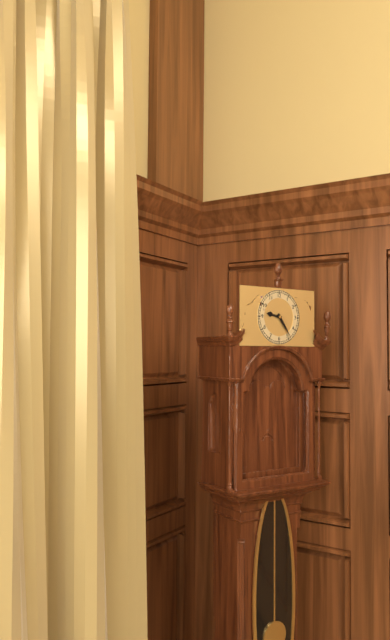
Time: {"hour": 9, "minute": 24}
